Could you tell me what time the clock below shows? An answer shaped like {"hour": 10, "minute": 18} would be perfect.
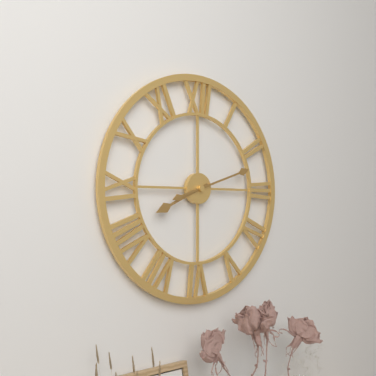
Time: {"hour": 8, "minute": 12}
